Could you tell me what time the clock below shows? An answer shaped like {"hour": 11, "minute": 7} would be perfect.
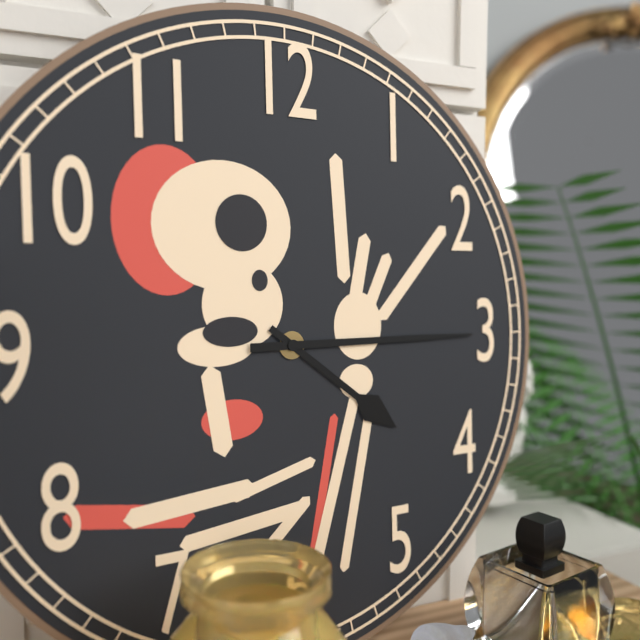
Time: {"hour": 4, "minute": 15}
